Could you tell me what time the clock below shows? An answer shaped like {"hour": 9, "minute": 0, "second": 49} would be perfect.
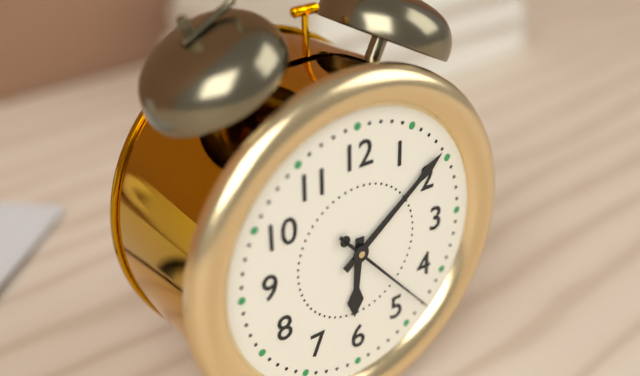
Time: {"hour": 6, "minute": 9, "second": 23}
